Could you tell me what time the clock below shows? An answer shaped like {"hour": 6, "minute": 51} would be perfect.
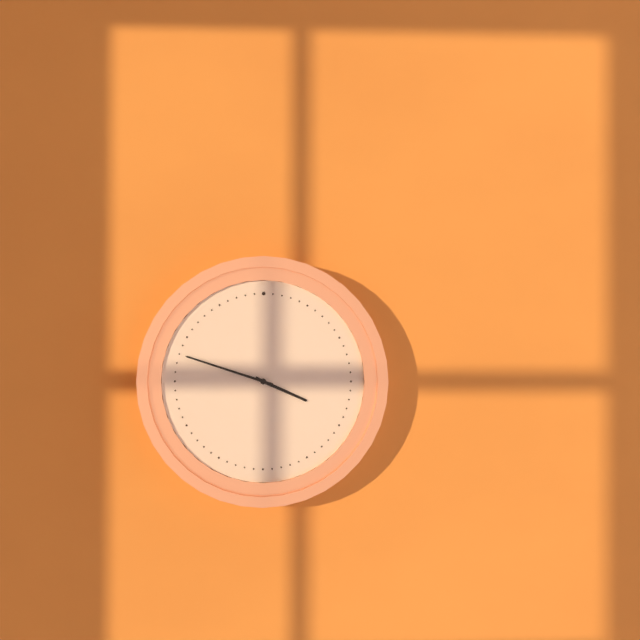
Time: {"hour": 3, "minute": 48}
